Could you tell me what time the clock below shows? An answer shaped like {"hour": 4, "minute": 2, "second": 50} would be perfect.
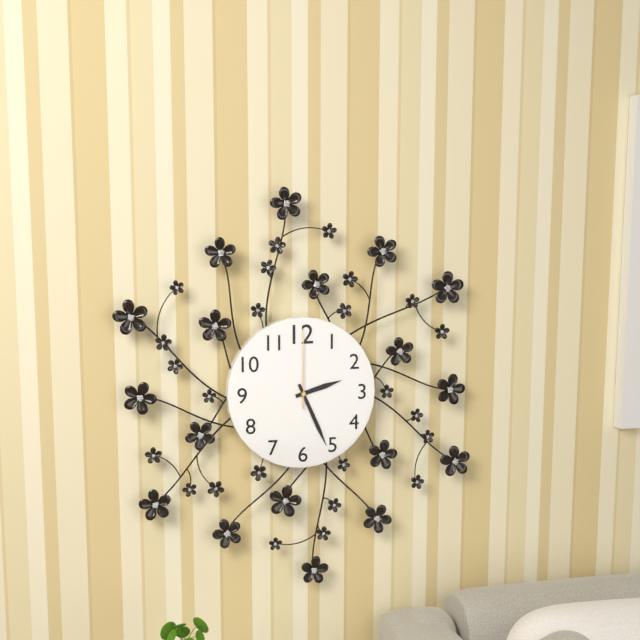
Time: {"hour": 2, "minute": 26, "second": 0}
